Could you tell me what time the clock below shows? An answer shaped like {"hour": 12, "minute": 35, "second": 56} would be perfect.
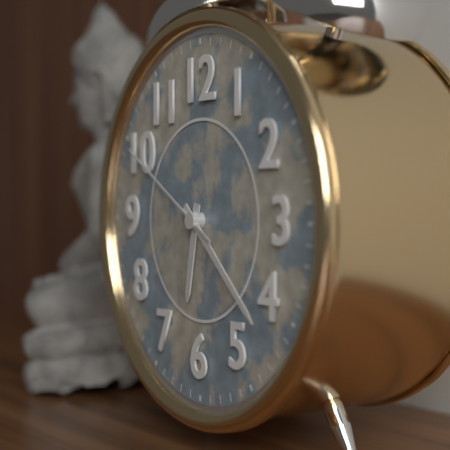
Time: {"hour": 6, "minute": 22, "second": 50}
